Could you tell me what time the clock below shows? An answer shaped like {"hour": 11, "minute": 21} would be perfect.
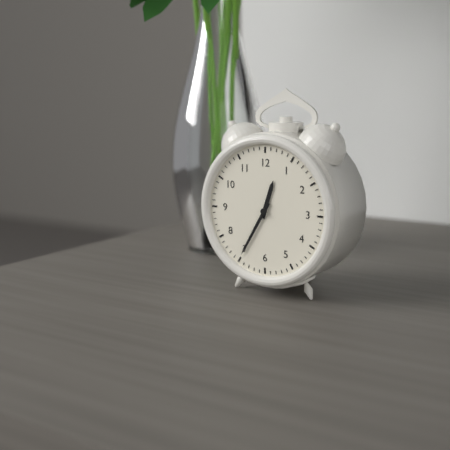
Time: {"hour": 12, "minute": 35}
